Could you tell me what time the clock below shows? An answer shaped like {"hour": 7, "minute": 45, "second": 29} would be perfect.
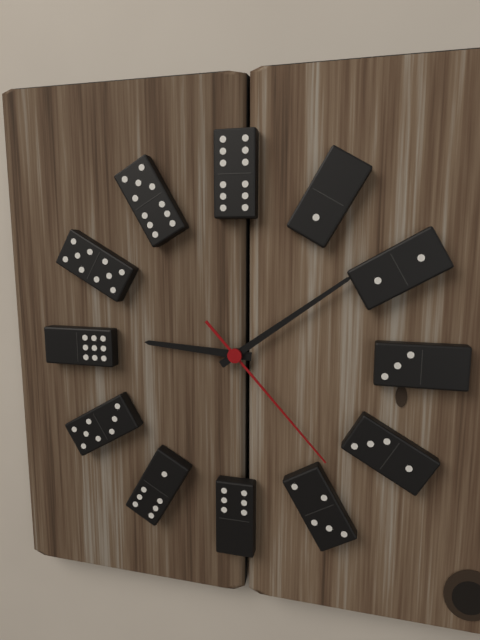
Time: {"hour": 9, "minute": 9, "second": 23}
